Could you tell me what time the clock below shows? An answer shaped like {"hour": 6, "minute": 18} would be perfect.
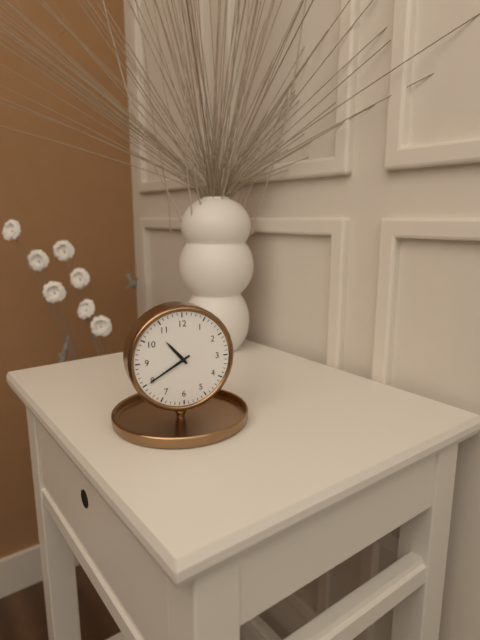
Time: {"hour": 10, "minute": 40}
